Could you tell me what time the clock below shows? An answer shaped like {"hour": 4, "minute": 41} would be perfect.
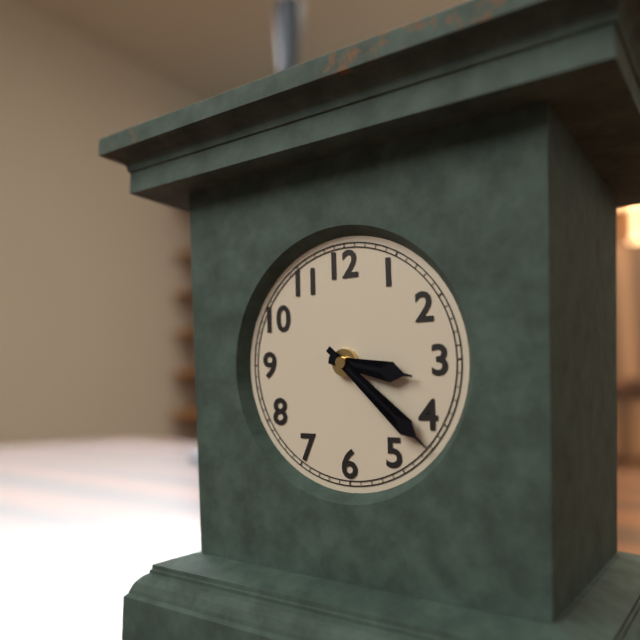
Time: {"hour": 3, "minute": 22}
